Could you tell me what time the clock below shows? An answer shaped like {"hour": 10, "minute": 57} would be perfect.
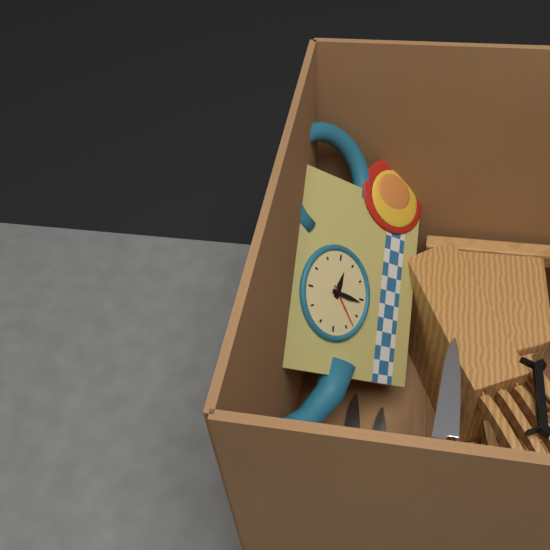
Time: {"hour": 3, "minute": 31}
